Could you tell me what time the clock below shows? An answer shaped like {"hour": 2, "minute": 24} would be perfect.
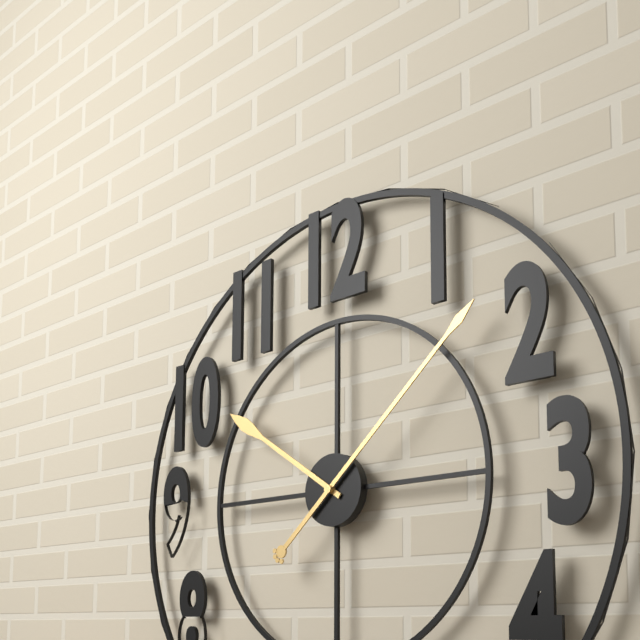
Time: {"hour": 10, "minute": 8}
